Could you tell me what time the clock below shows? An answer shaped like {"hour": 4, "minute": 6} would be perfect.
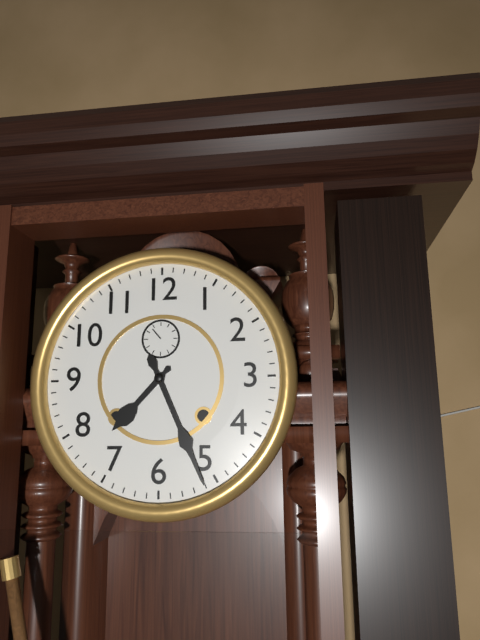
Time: {"hour": 7, "minute": 26}
